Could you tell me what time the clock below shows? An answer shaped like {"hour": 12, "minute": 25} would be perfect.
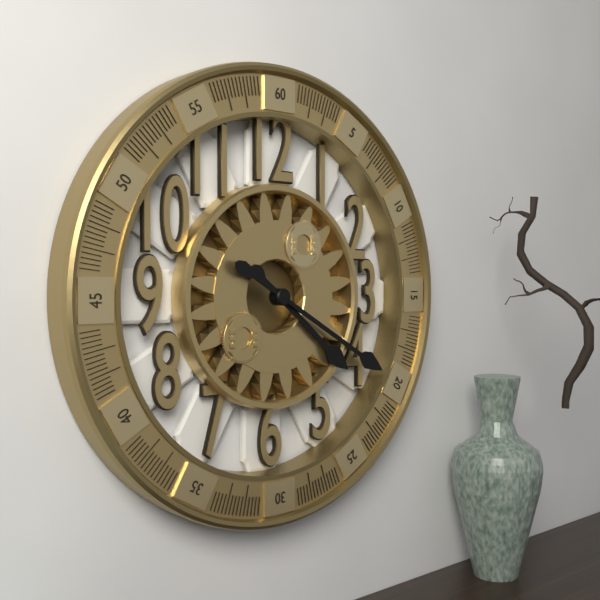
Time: {"hour": 4, "minute": 20}
